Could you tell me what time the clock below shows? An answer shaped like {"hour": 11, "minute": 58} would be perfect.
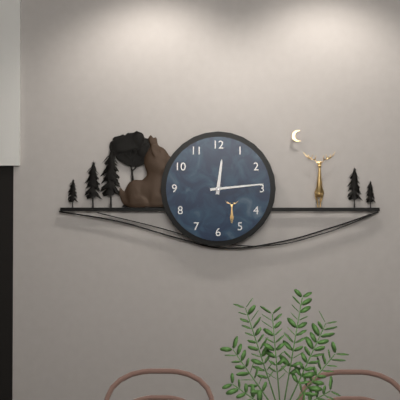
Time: {"hour": 12, "minute": 14}
